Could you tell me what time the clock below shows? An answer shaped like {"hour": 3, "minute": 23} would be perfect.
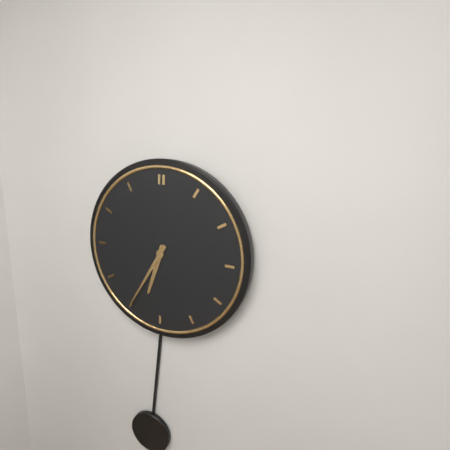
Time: {"hour": 6, "minute": 35}
